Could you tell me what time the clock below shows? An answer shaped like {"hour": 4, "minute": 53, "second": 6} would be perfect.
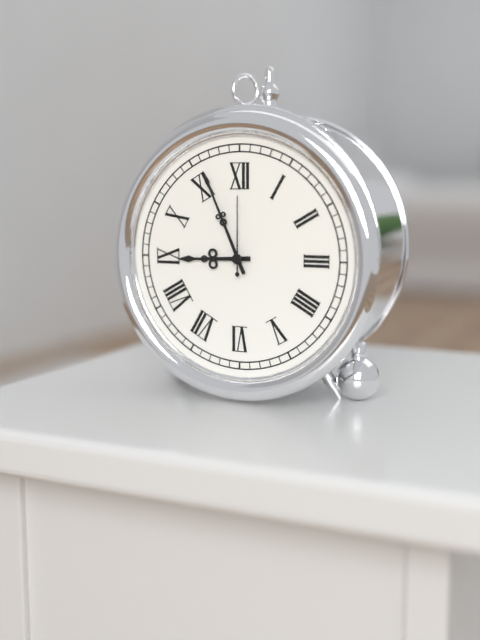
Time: {"hour": 8, "minute": 56, "second": 0}
